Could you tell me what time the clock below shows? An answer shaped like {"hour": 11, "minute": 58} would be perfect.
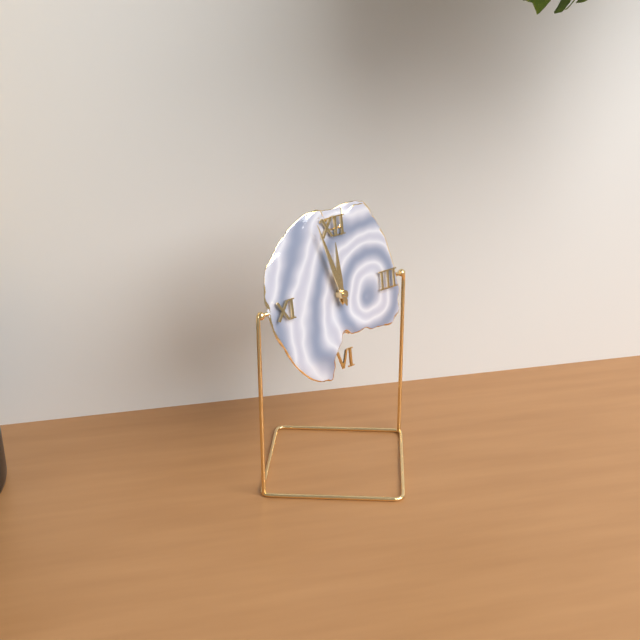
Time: {"hour": 11, "minute": 57}
